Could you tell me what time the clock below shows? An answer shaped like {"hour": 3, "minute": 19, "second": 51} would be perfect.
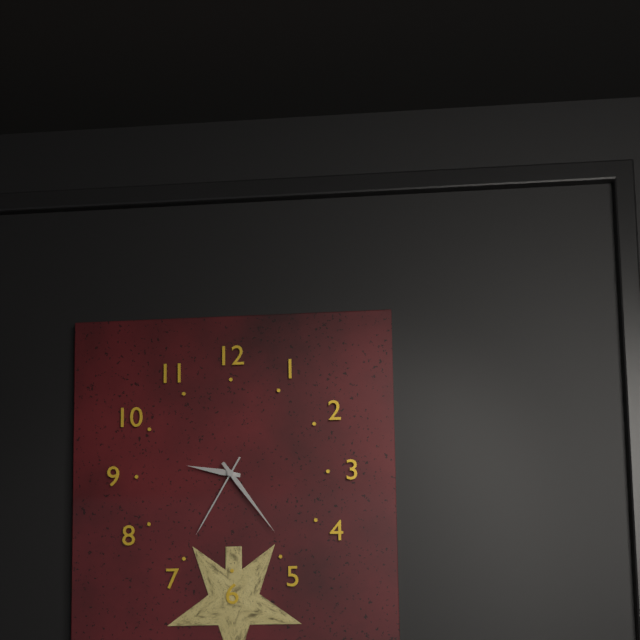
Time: {"hour": 9, "minute": 24, "second": 35}
